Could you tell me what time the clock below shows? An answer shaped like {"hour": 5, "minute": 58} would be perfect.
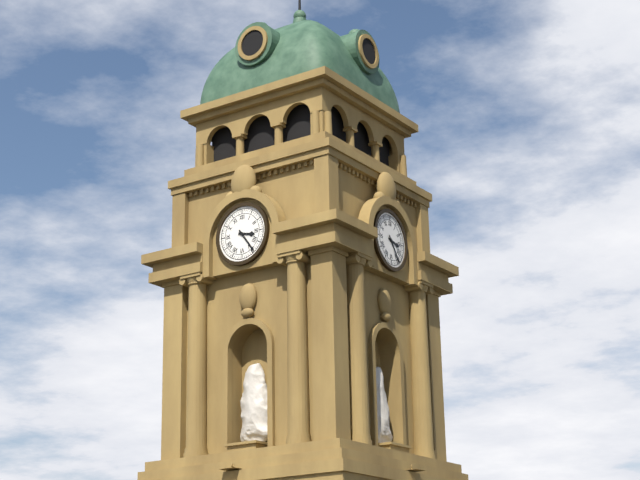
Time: {"hour": 3, "minute": 24}
